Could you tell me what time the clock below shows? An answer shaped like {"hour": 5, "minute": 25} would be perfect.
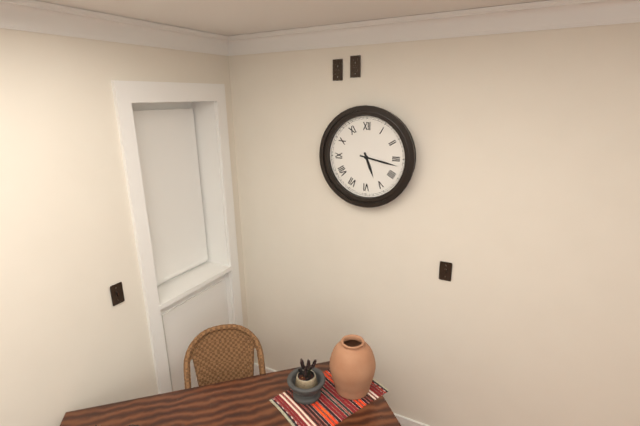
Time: {"hour": 5, "minute": 17}
